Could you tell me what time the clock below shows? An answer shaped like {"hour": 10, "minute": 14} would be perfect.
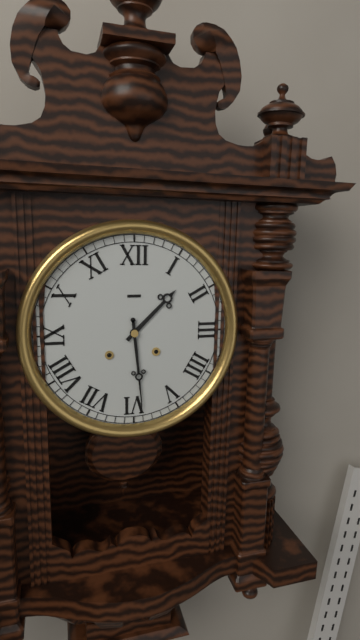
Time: {"hour": 1, "minute": 29}
